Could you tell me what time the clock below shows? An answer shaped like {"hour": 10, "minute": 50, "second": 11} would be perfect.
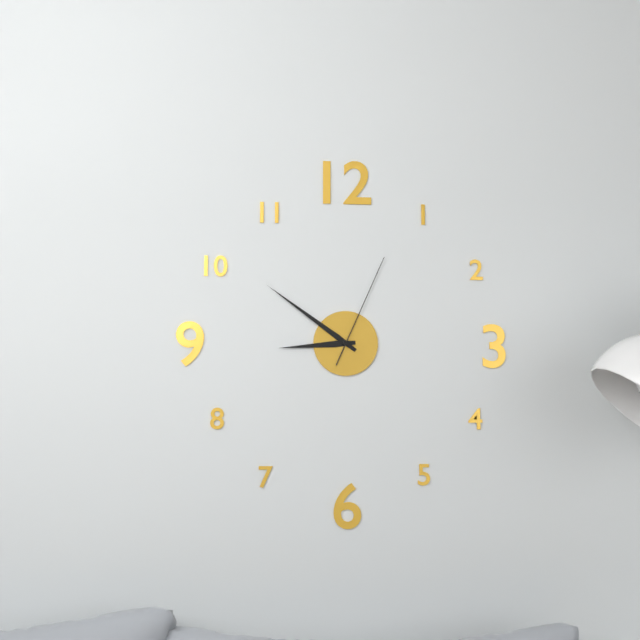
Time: {"hour": 8, "minute": 51, "second": 4}
